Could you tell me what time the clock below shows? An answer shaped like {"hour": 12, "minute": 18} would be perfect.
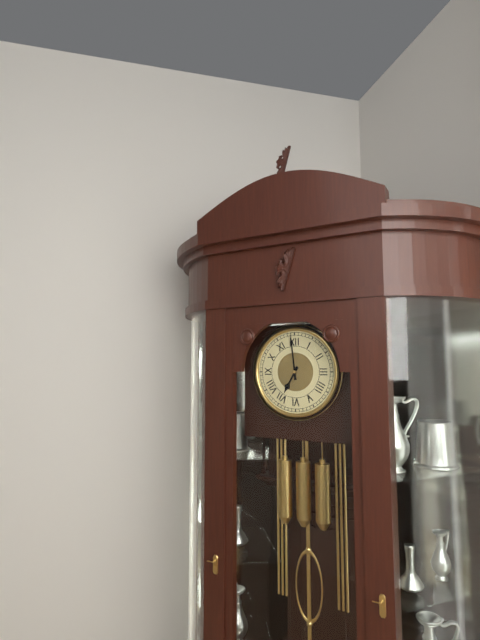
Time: {"hour": 6, "minute": 59}
